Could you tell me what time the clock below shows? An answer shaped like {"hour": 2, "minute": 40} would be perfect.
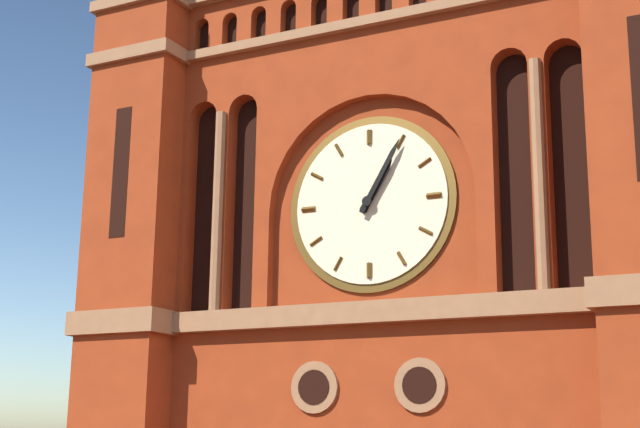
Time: {"hour": 1, "minute": 5}
